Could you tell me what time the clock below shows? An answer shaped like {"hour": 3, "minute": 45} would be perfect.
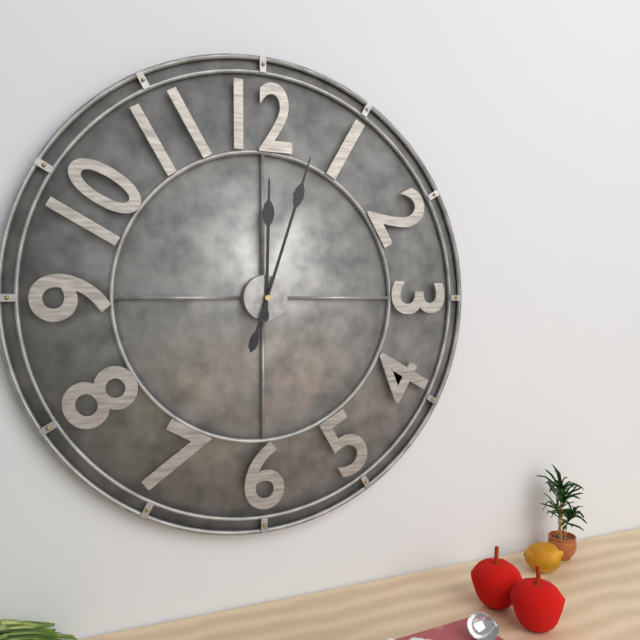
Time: {"hour": 12, "minute": 3}
